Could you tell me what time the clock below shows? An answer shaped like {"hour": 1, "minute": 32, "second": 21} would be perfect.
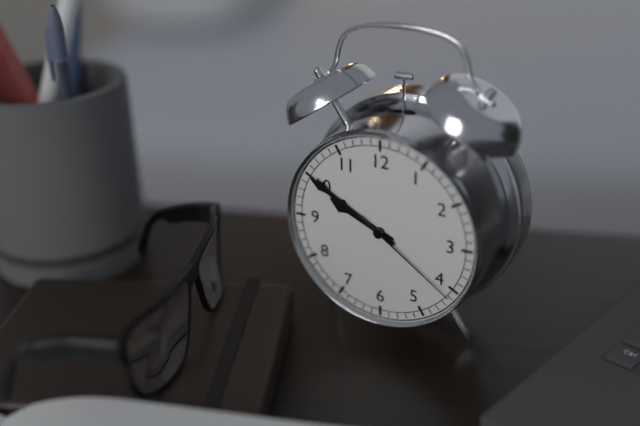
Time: {"hour": 9, "minute": 50, "second": 21}
